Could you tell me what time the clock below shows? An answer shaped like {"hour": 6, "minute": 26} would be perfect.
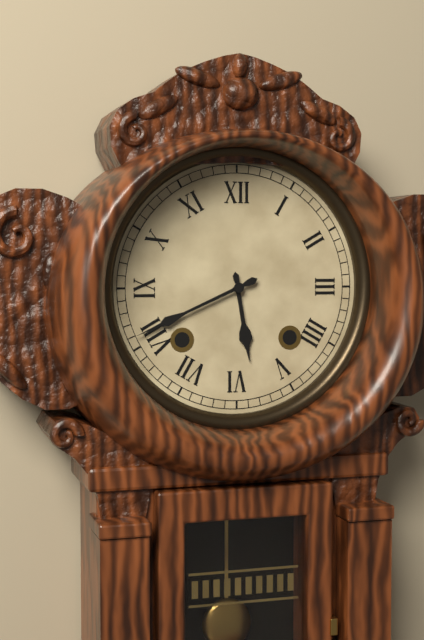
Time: {"hour": 5, "minute": 41}
